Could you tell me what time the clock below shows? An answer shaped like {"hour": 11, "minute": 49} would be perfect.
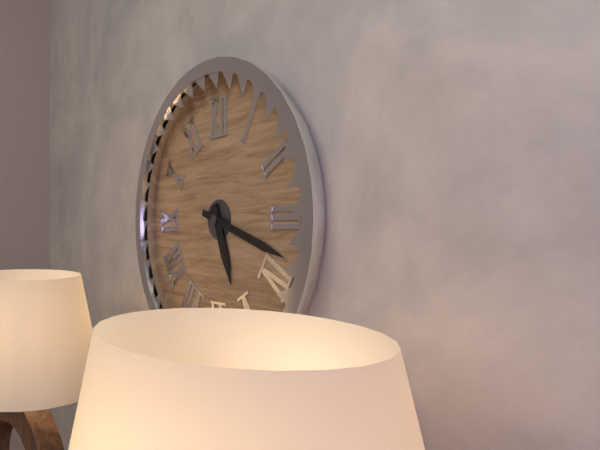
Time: {"hour": 5, "minute": 18}
